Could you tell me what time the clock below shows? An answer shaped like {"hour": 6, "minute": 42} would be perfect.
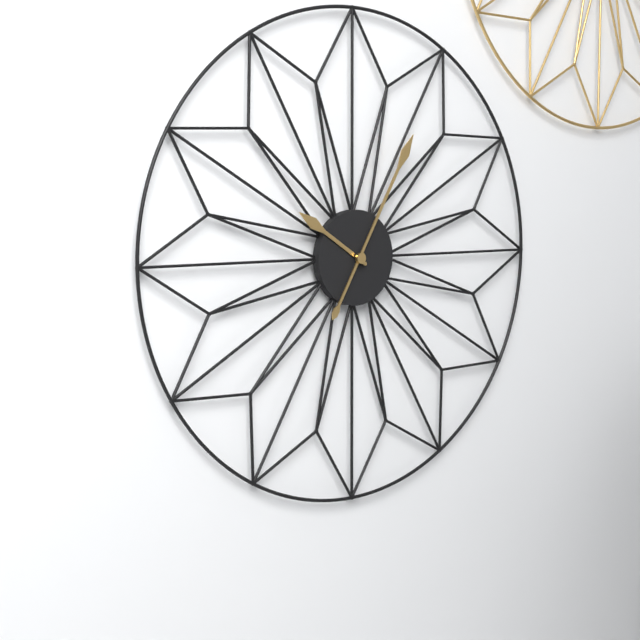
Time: {"hour": 10, "minute": 5}
